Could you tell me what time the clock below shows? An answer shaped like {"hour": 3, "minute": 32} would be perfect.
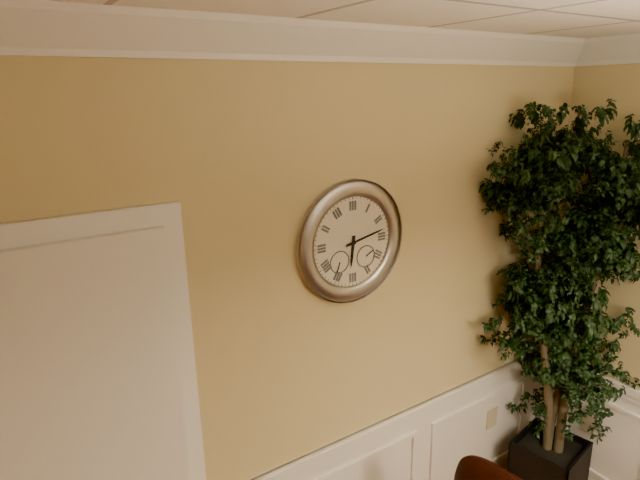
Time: {"hour": 6, "minute": 13}
